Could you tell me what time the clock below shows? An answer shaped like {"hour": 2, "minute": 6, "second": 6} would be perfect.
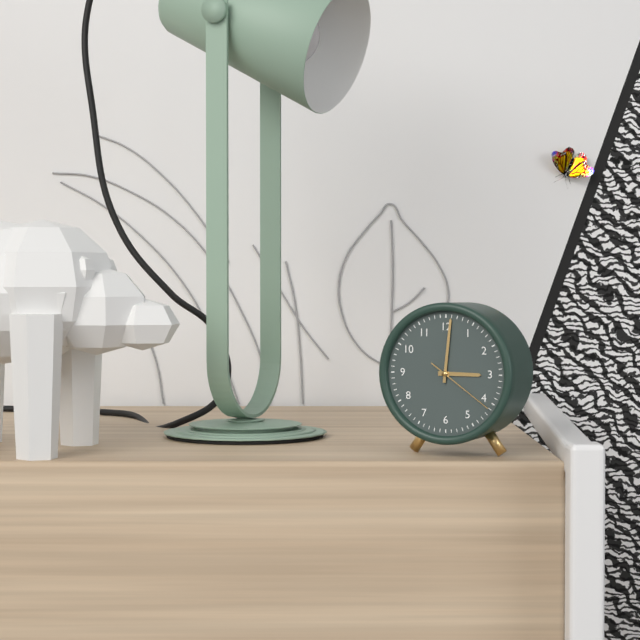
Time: {"hour": 3, "minute": 1, "second": 21}
